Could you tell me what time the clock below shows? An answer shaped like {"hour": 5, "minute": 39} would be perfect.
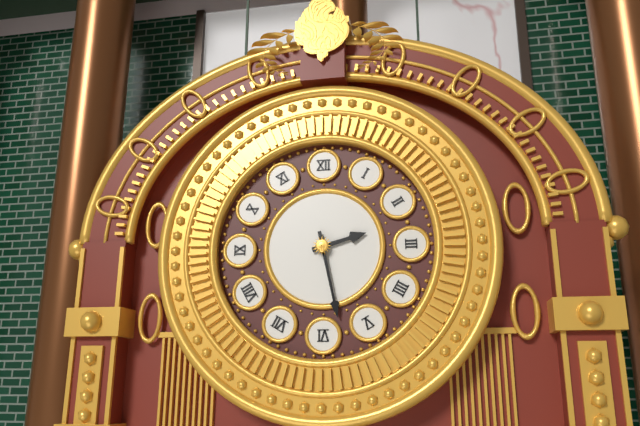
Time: {"hour": 2, "minute": 28}
